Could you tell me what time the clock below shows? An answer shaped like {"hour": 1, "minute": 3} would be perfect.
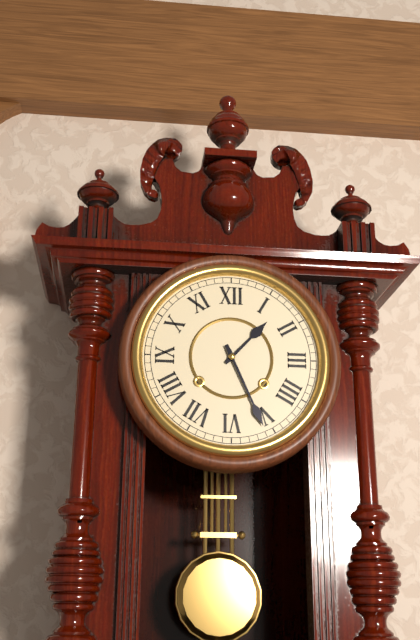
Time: {"hour": 1, "minute": 26}
